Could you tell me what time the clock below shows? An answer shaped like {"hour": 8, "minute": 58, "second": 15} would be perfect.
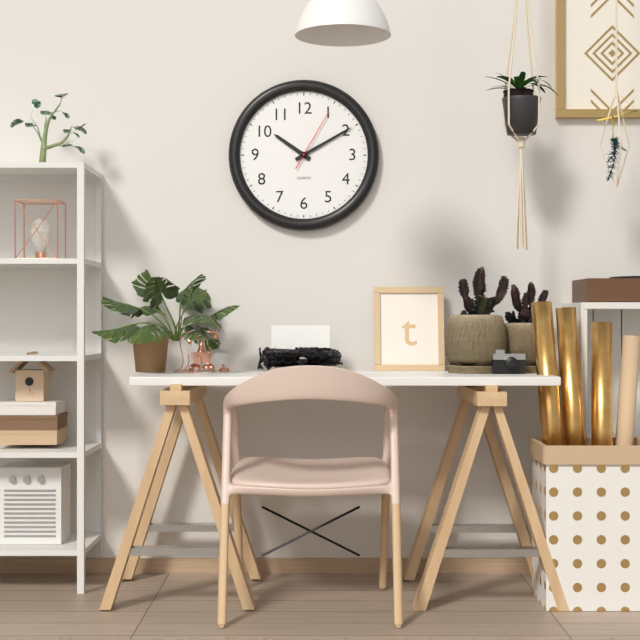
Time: {"hour": 10, "minute": 10, "second": 5}
